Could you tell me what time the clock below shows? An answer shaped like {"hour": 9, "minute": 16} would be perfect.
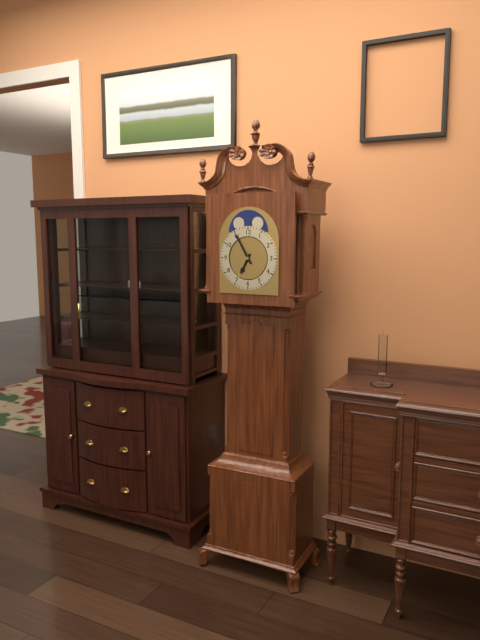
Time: {"hour": 6, "minute": 55}
